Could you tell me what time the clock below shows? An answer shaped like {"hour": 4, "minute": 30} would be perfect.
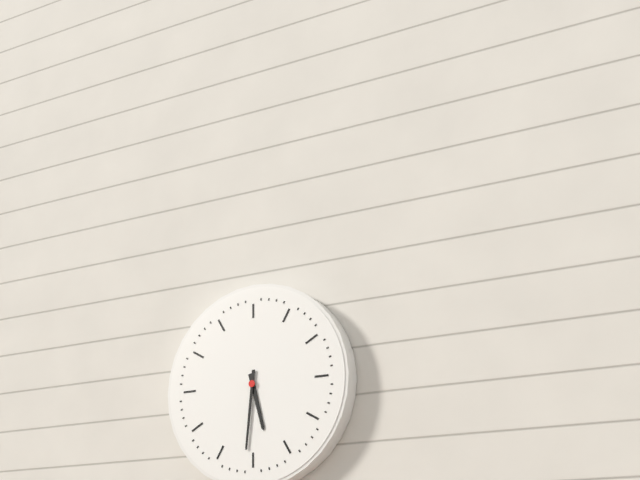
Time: {"hour": 5, "minute": 31}
